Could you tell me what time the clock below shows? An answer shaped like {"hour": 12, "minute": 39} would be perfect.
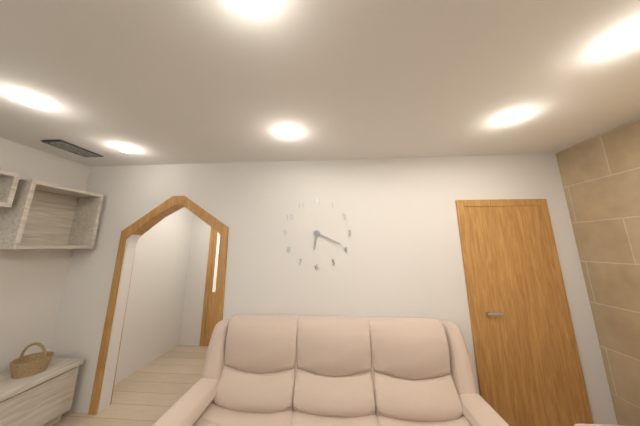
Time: {"hour": 6, "minute": 19}
